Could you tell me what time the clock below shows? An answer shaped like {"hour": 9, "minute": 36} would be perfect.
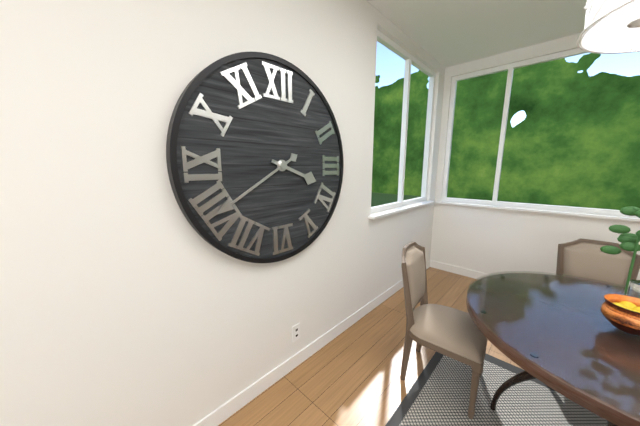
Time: {"hour": 3, "minute": 40}
